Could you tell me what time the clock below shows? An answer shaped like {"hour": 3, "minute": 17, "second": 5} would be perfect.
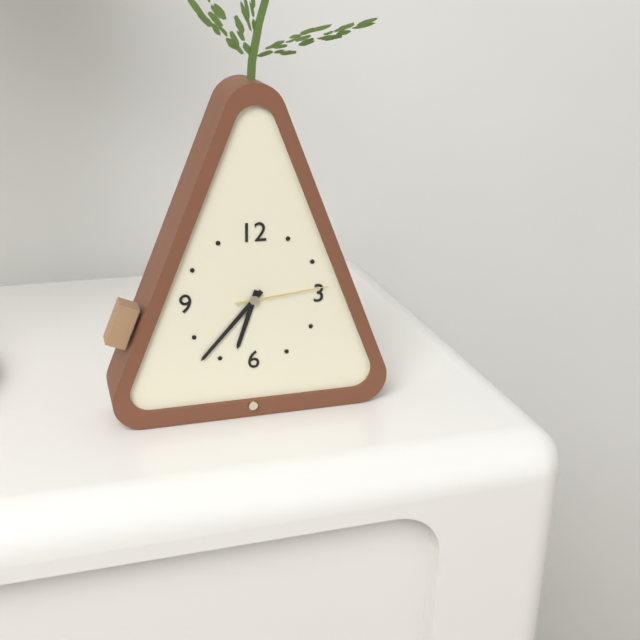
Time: {"hour": 6, "minute": 37, "second": 14}
